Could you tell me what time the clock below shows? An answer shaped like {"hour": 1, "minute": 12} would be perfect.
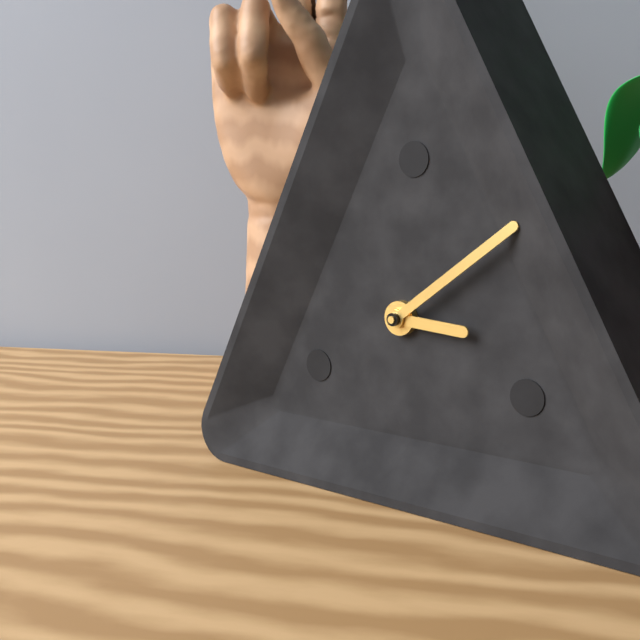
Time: {"hour": 3, "minute": 9}
